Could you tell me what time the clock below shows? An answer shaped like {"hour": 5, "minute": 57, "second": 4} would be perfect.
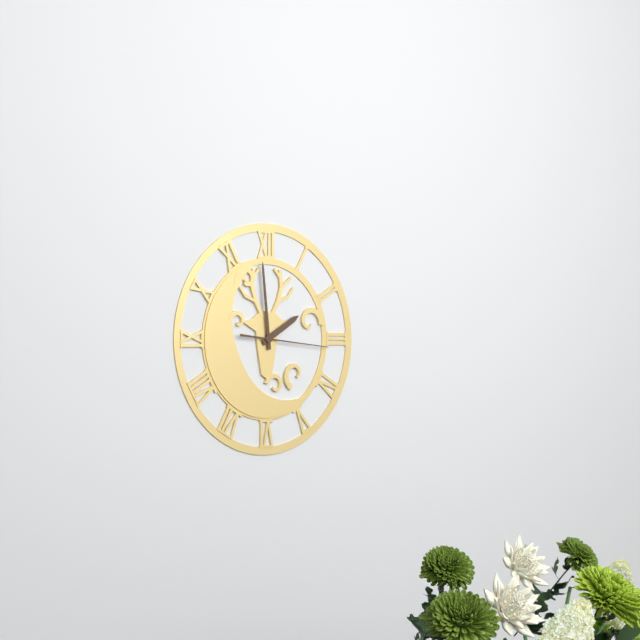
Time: {"hour": 1, "minute": 59, "second": 16}
